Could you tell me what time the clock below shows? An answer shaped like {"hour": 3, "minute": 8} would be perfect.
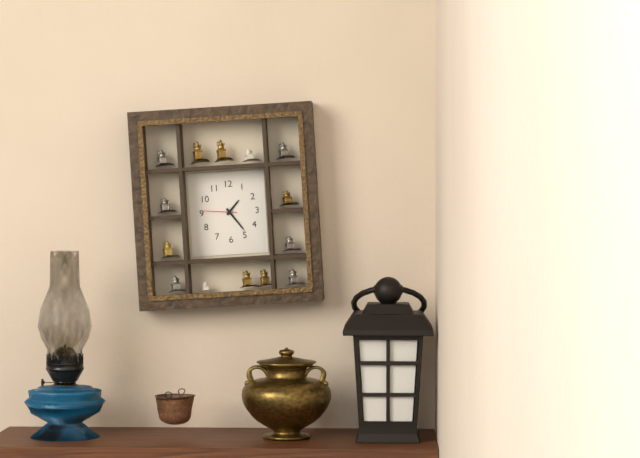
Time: {"hour": 1, "minute": 24}
